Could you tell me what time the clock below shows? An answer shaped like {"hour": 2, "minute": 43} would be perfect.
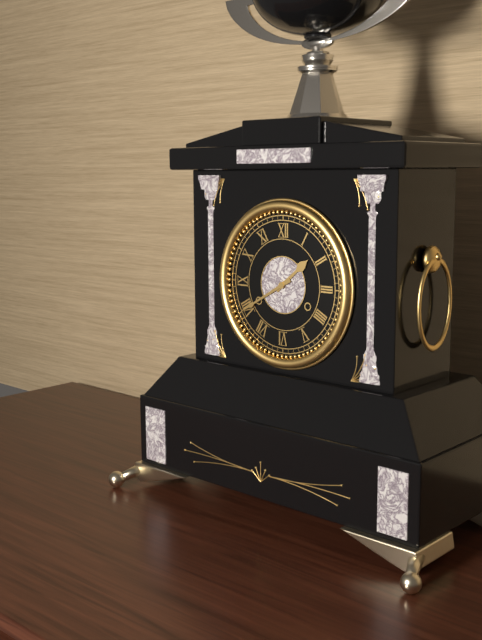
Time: {"hour": 1, "minute": 40}
